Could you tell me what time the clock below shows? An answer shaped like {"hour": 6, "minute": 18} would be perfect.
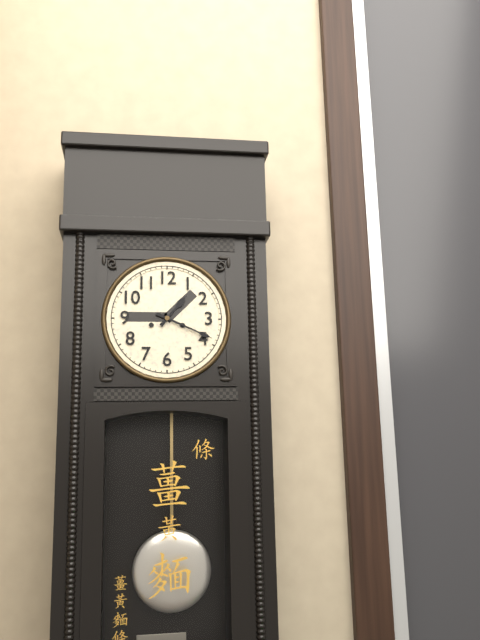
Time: {"hour": 1, "minute": 19}
